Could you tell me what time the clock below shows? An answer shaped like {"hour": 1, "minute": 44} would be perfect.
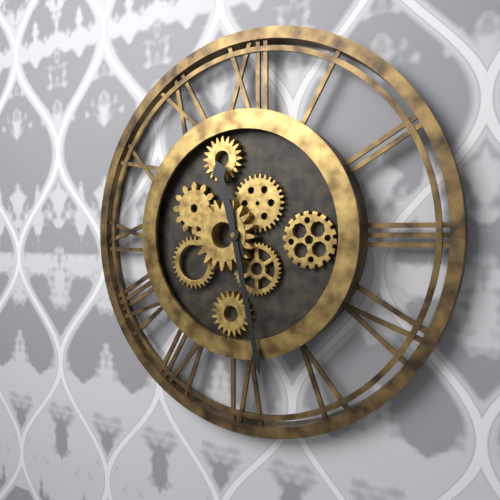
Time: {"hour": 11, "minute": 28}
